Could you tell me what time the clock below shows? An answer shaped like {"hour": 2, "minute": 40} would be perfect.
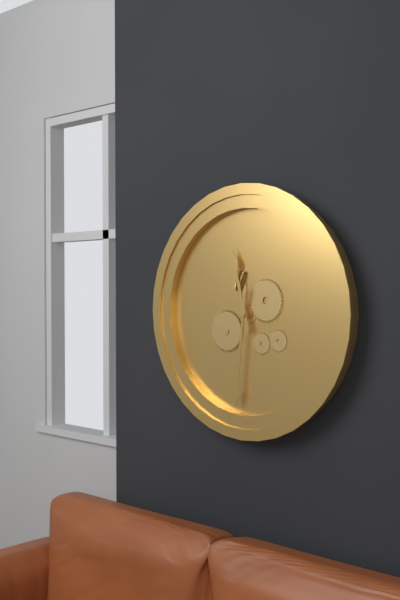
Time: {"hour": 11, "minute": 31}
